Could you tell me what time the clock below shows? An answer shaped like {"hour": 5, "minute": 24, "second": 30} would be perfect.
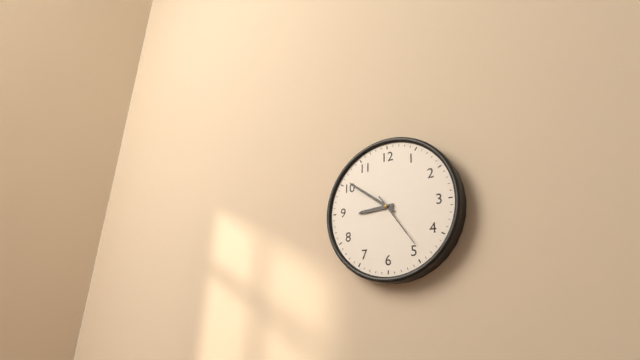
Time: {"hour": 8, "minute": 51, "second": 24}
